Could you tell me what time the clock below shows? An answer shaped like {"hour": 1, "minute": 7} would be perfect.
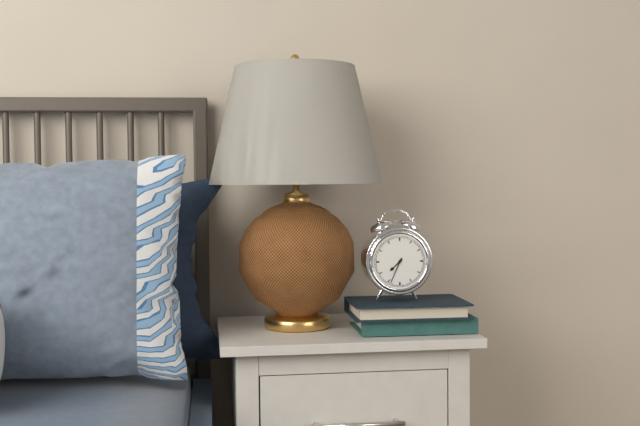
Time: {"hour": 7, "minute": 34}
